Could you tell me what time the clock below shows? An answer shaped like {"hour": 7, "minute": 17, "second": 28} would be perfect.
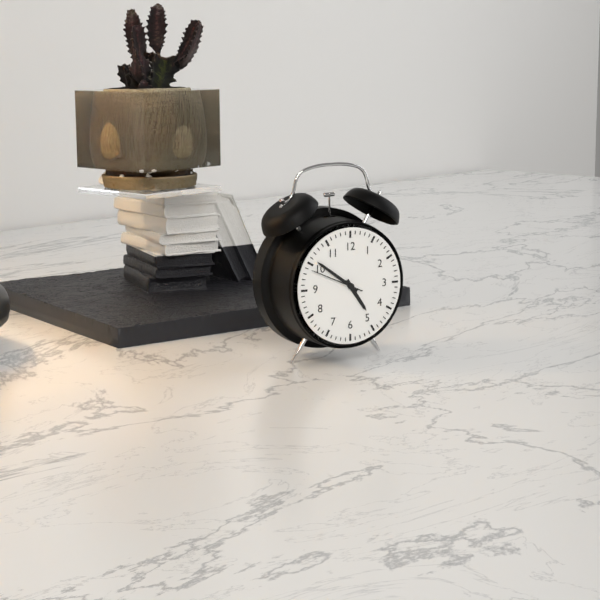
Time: {"hour": 4, "minute": 51, "second": 49}
